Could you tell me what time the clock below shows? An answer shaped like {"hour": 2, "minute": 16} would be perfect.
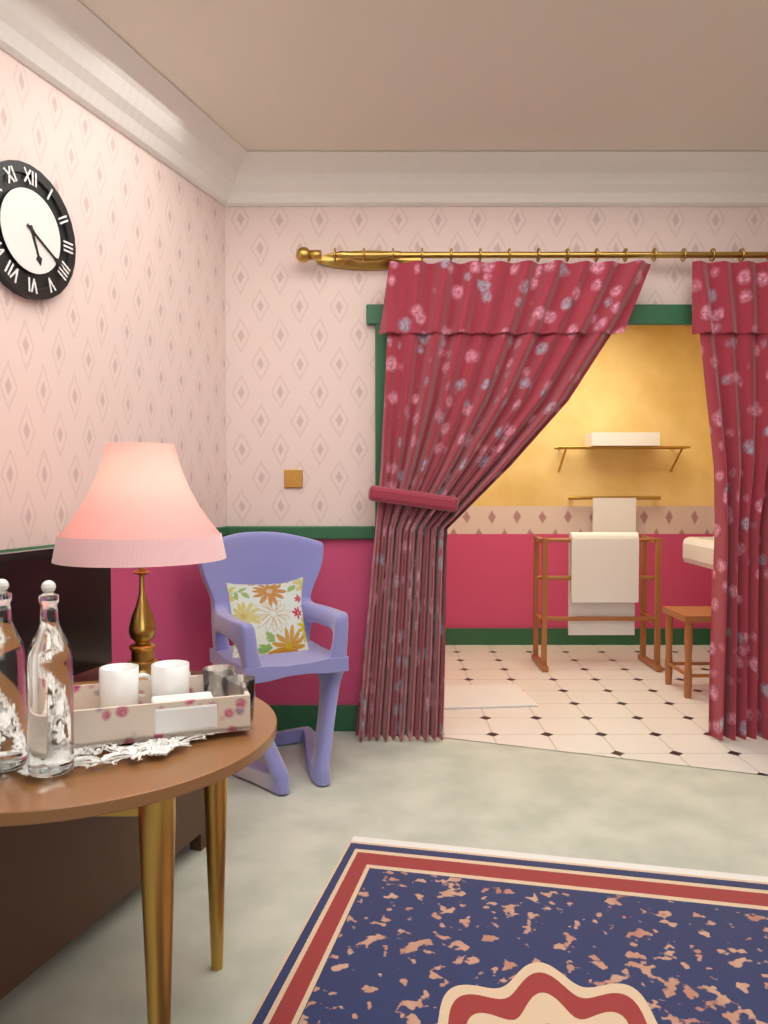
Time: {"hour": 5, "minute": 20}
